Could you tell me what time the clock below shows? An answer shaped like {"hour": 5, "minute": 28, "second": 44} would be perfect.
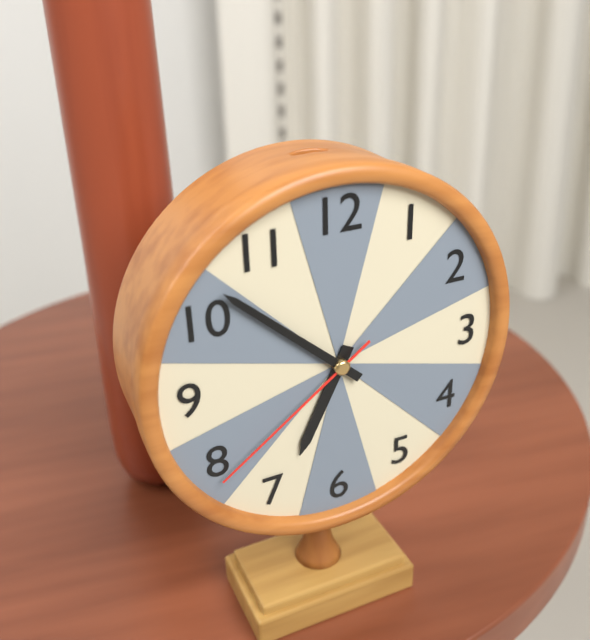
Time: {"hour": 6, "minute": 52, "second": 39}
